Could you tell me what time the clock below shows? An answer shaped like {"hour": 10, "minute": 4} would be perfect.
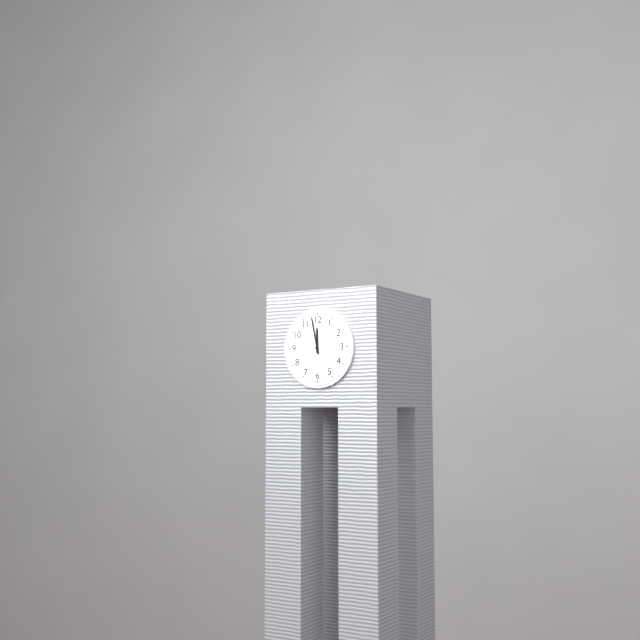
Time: {"hour": 11, "minute": 58}
